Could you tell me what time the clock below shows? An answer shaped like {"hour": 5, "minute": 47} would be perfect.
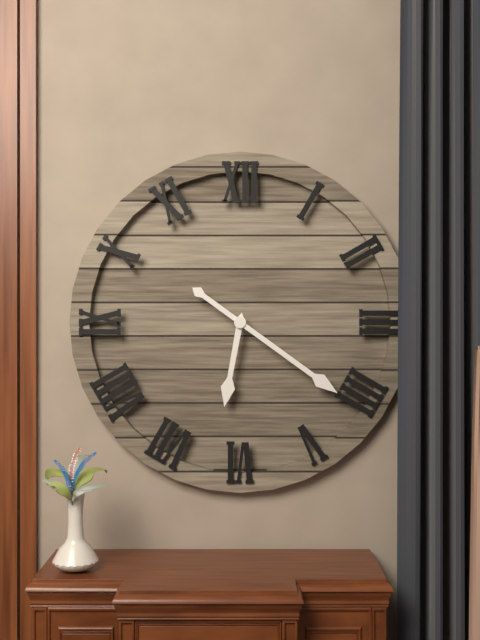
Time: {"hour": 6, "minute": 21}
